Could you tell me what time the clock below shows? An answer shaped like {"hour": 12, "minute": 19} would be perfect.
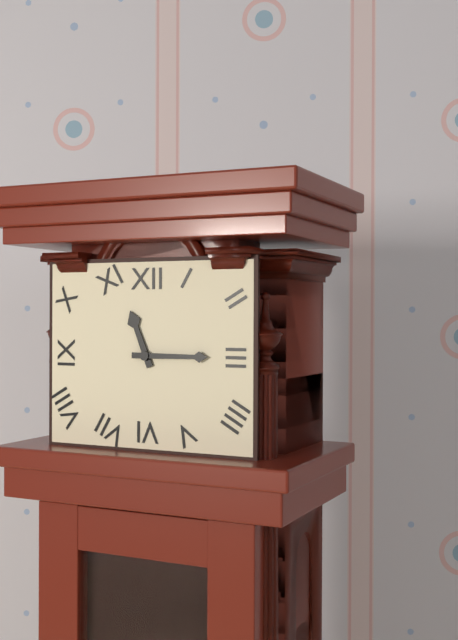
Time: {"hour": 11, "minute": 15}
